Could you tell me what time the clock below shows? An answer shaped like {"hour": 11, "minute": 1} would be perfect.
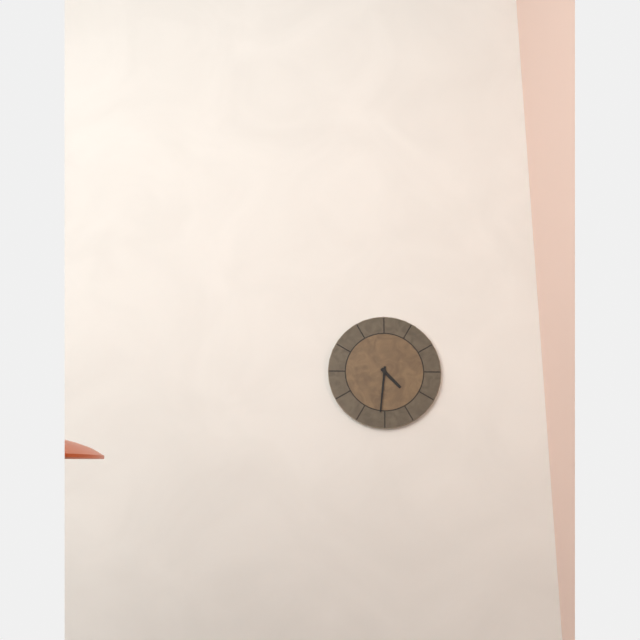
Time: {"hour": 4, "minute": 31}
